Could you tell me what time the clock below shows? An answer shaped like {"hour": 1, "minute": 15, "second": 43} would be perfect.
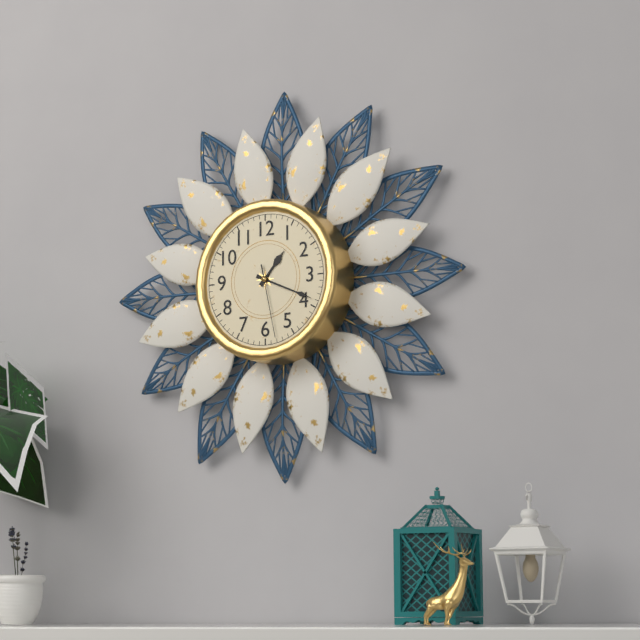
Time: {"hour": 1, "minute": 19, "second": 28}
